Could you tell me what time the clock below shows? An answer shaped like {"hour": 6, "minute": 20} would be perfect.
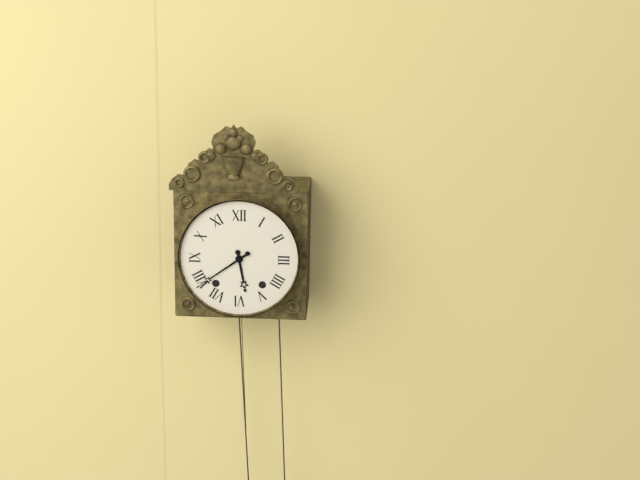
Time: {"hour": 5, "minute": 39}
